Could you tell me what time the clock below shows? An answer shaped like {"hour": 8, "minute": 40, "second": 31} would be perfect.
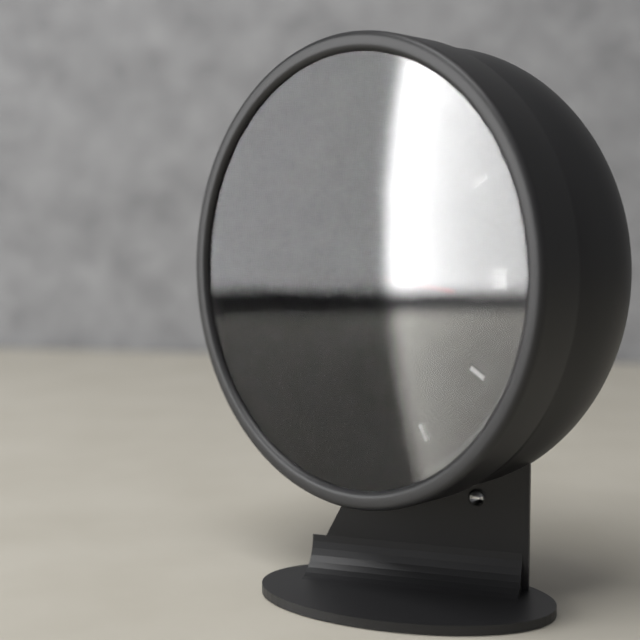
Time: {"hour": 11, "minute": 31, "second": 16}
